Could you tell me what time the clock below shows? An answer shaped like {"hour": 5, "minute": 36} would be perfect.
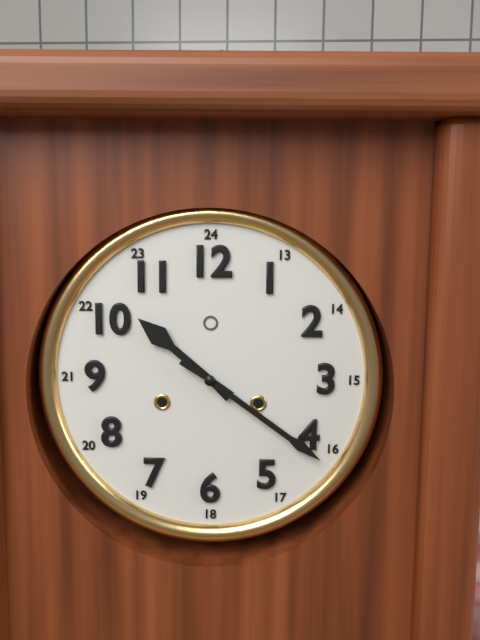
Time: {"hour": 10, "minute": 21}
